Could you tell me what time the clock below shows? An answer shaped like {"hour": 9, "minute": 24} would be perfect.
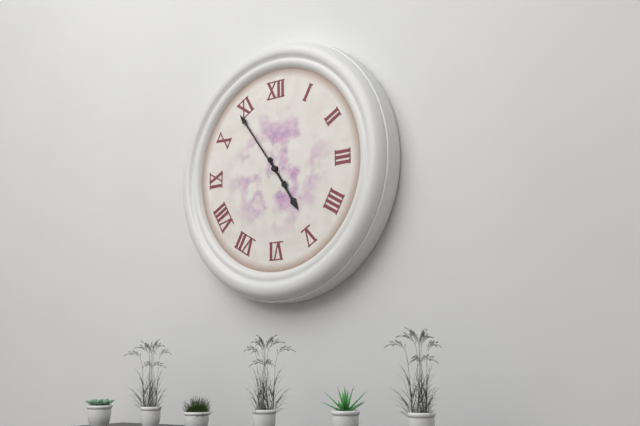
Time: {"hour": 4, "minute": 54}
